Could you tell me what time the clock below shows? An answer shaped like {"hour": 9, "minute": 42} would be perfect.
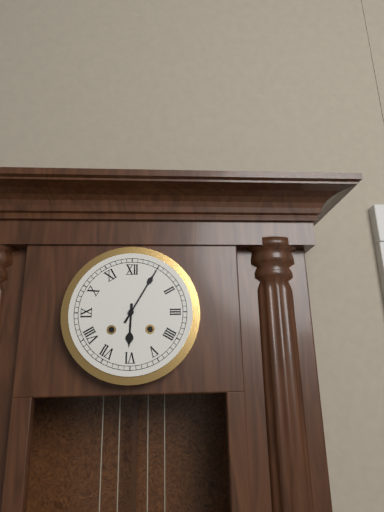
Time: {"hour": 6, "minute": 5}
